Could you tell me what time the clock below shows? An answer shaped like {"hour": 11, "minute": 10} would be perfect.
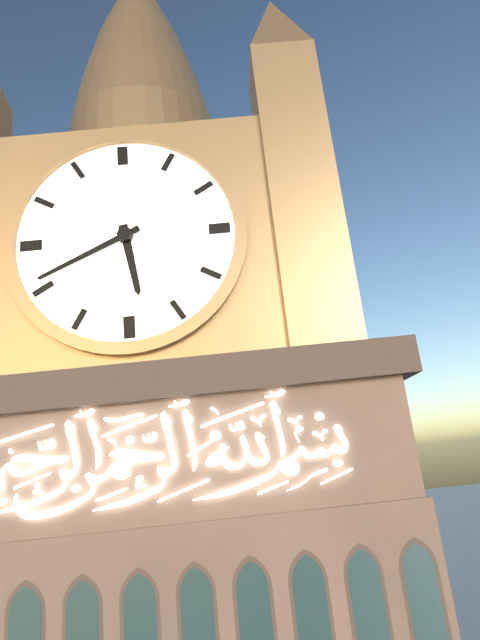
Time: {"hour": 5, "minute": 41}
